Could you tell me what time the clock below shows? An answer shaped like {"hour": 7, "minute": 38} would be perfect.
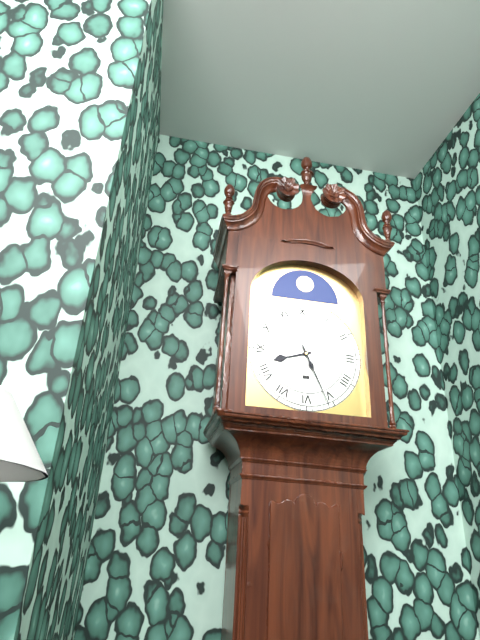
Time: {"hour": 8, "minute": 26}
